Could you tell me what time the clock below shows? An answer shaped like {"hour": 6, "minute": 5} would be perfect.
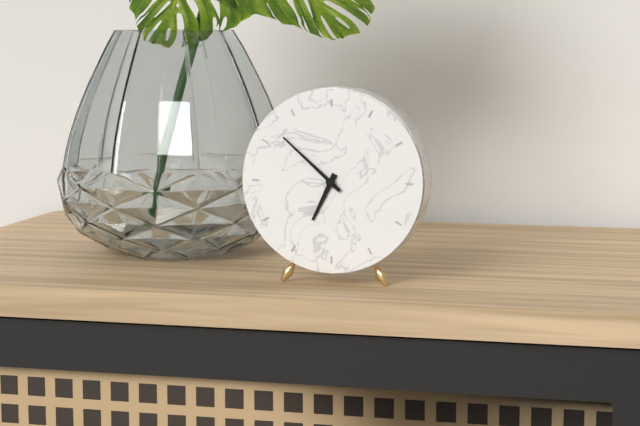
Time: {"hour": 6, "minute": 52}
